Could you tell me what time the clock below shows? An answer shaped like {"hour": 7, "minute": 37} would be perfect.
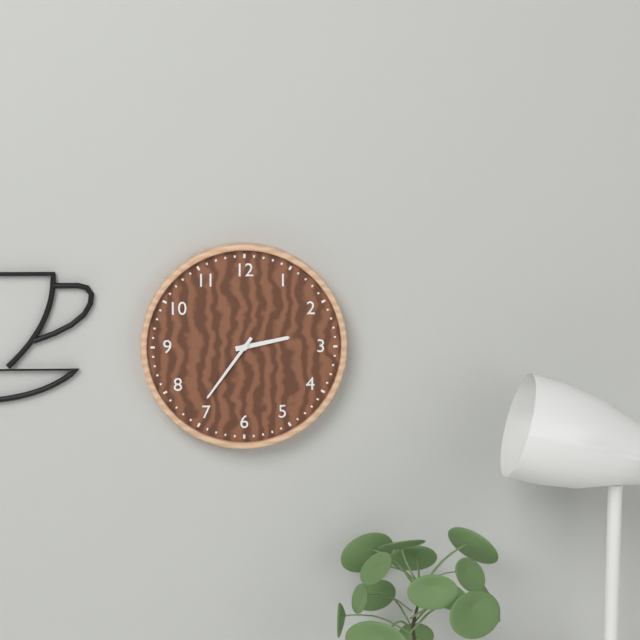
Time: {"hour": 2, "minute": 36}
